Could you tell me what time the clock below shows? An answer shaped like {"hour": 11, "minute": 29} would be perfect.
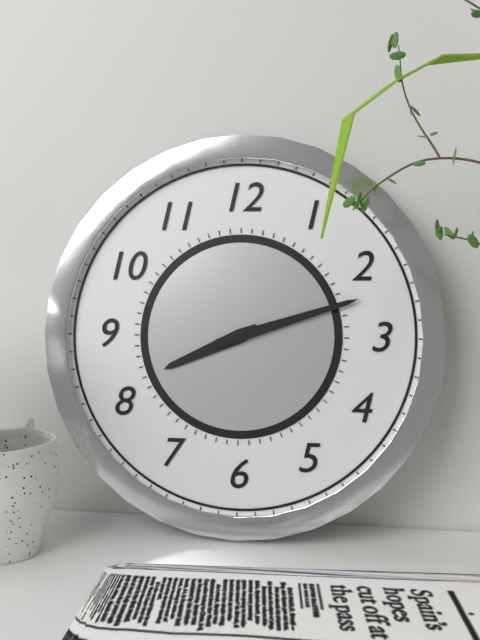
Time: {"hour": 8, "minute": 12}
